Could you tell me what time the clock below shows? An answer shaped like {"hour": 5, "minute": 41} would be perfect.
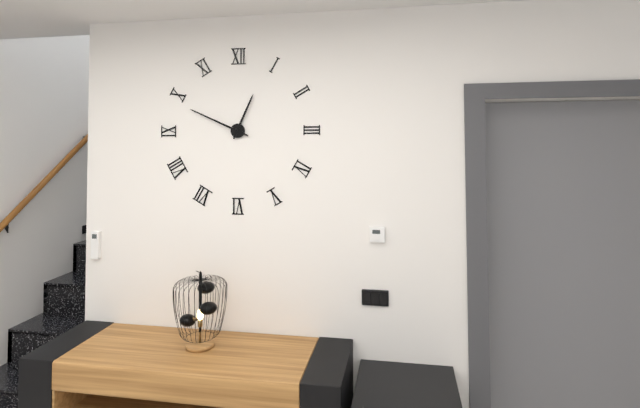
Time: {"hour": 12, "minute": 49}
